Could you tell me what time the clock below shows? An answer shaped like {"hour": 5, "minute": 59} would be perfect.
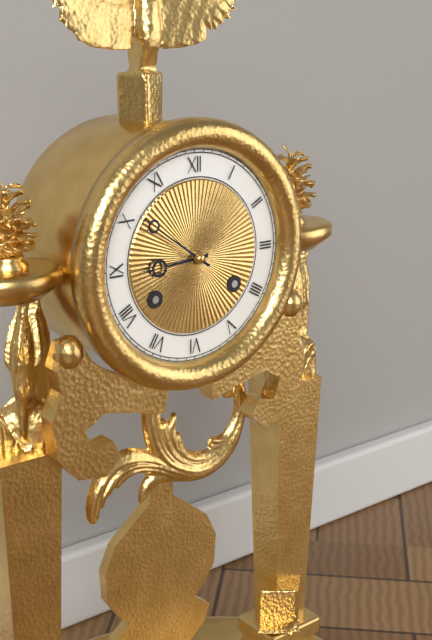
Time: {"hour": 8, "minute": 51}
